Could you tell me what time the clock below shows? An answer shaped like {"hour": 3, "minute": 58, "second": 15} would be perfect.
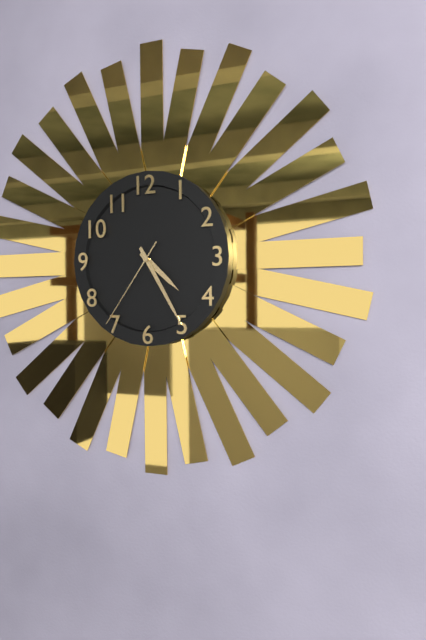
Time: {"hour": 4, "minute": 25, "second": 36}
